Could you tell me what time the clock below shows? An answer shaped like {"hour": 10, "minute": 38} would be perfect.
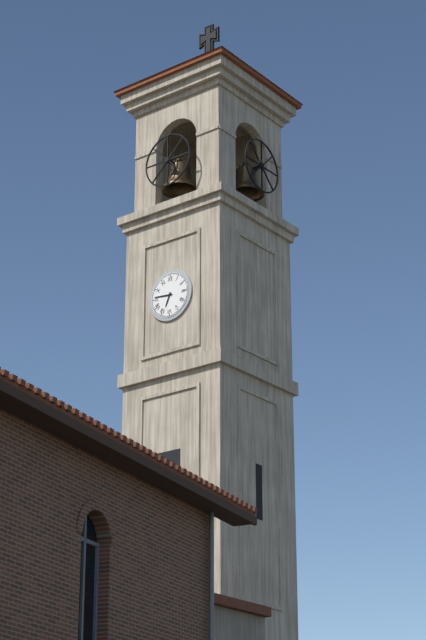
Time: {"hour": 6, "minute": 46}
